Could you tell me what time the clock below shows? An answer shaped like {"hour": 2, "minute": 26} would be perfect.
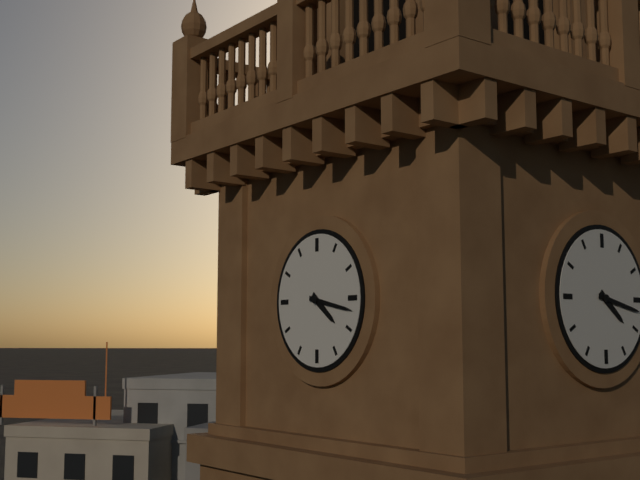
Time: {"hour": 4, "minute": 17}
